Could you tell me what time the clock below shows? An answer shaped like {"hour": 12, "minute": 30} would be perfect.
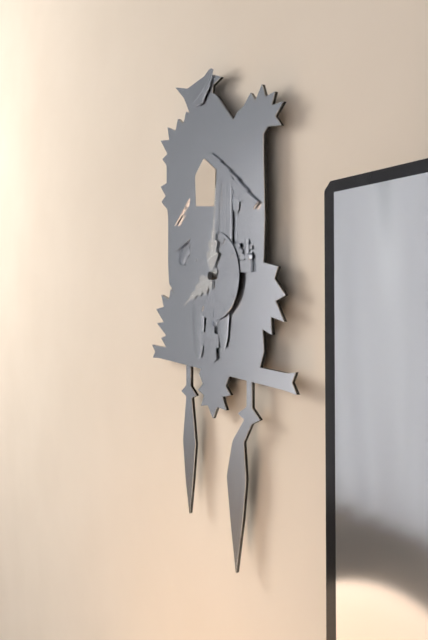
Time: {"hour": 8, "minute": 1}
